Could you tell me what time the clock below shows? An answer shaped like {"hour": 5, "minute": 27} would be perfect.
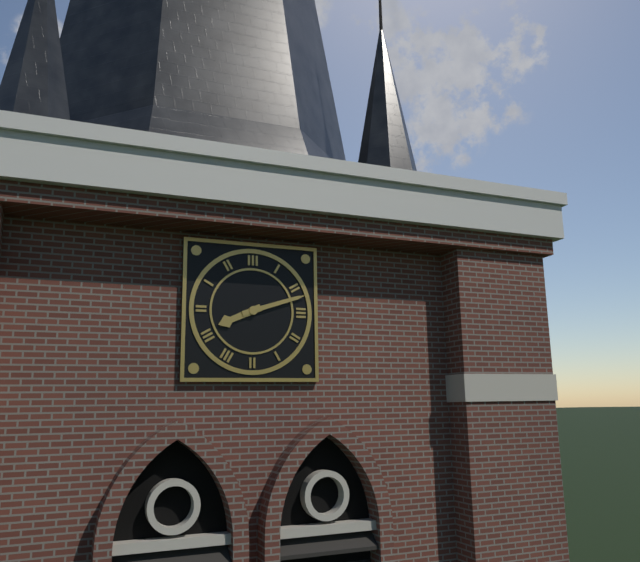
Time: {"hour": 8, "minute": 12}
